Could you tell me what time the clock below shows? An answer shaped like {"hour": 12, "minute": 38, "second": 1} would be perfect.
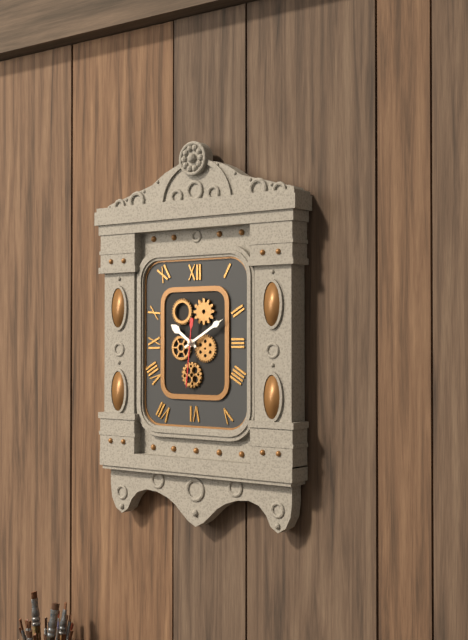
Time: {"hour": 10, "minute": 10, "second": 31}
